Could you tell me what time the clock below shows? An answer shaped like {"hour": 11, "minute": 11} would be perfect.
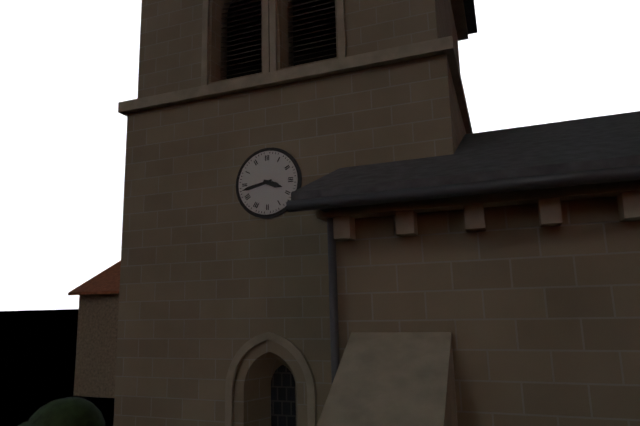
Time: {"hour": 3, "minute": 43}
